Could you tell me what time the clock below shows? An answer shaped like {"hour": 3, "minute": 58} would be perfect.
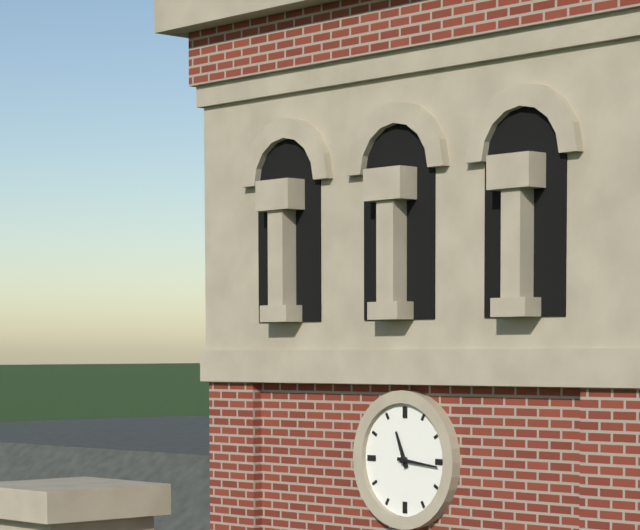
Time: {"hour": 11, "minute": 16}
